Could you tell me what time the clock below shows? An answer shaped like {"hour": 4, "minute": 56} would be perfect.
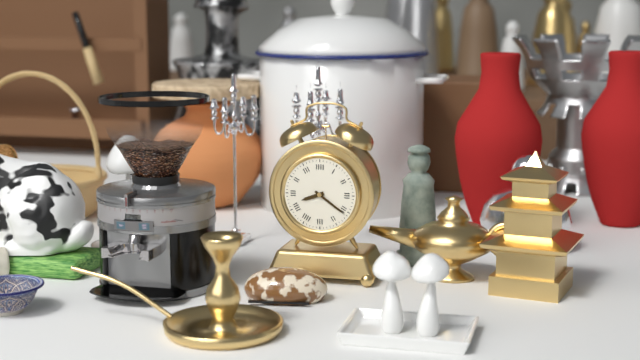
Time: {"hour": 8, "minute": 21}
